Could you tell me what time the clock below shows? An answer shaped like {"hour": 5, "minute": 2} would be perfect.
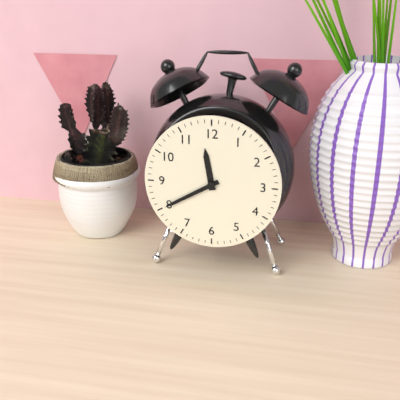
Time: {"hour": 11, "minute": 40}
